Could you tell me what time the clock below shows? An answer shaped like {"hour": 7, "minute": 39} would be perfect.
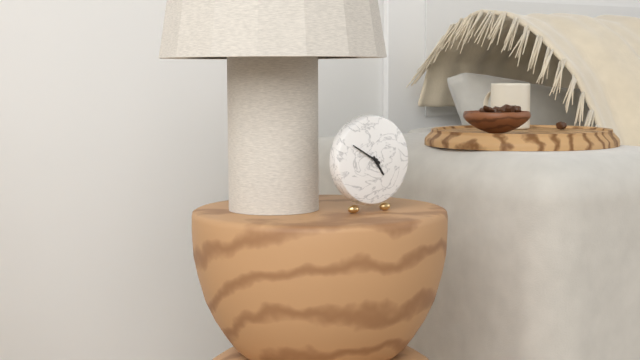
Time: {"hour": 4, "minute": 50}
